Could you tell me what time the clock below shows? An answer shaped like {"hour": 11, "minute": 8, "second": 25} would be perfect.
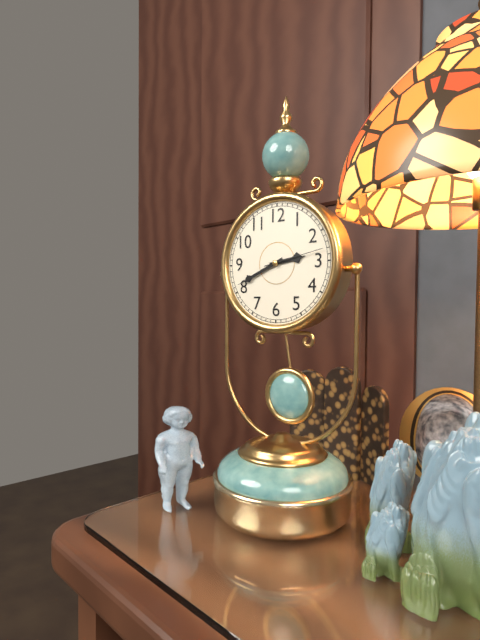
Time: {"hour": 2, "minute": 41, "second": 13}
